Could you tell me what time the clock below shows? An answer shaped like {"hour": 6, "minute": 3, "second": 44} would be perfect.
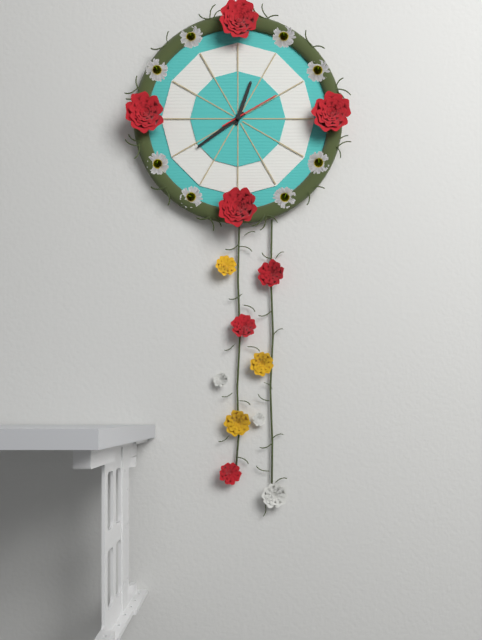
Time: {"hour": 12, "minute": 39, "second": 10}
